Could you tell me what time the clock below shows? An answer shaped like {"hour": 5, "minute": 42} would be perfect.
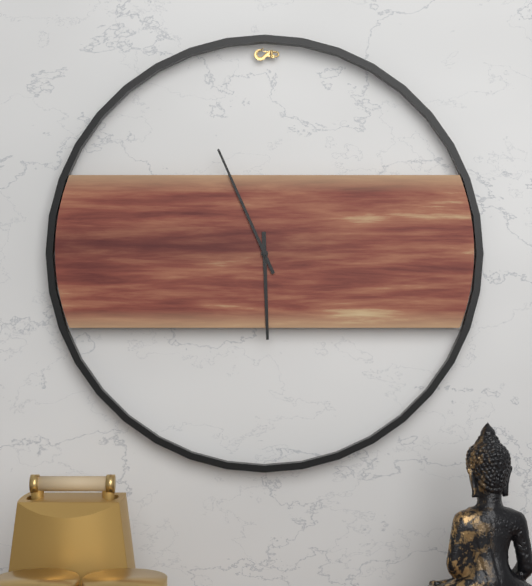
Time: {"hour": 5, "minute": 56}
